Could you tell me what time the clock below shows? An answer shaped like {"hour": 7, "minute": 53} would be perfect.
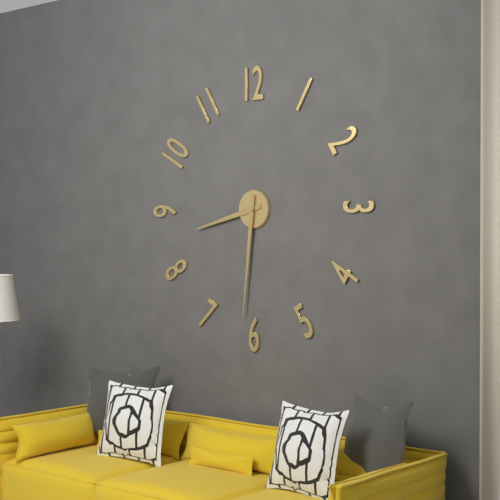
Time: {"hour": 8, "minute": 31}
